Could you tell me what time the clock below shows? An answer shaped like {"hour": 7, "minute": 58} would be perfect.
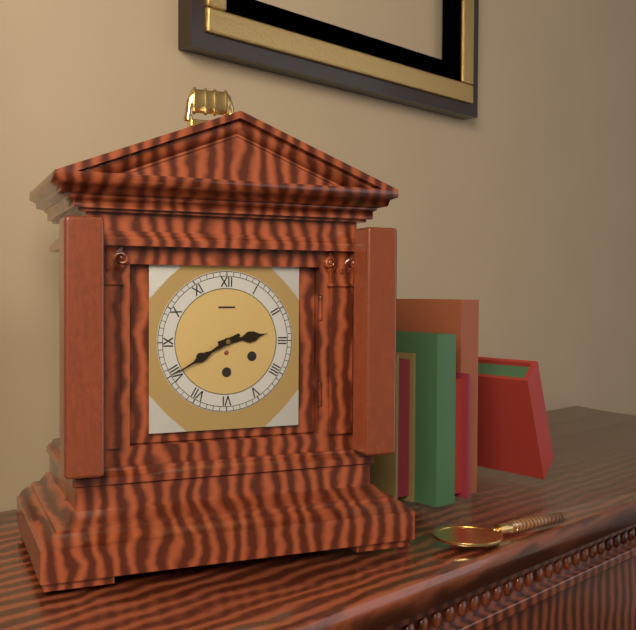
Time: {"hour": 2, "minute": 40}
